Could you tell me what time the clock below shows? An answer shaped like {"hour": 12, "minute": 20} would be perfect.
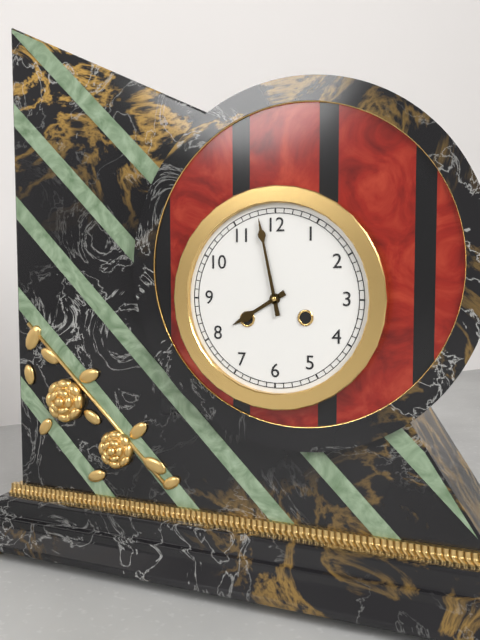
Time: {"hour": 7, "minute": 58}
